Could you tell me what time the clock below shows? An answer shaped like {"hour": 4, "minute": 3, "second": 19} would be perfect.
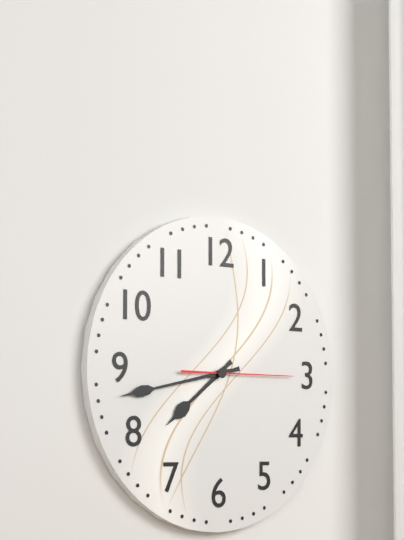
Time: {"hour": 7, "minute": 43, "second": 15}
